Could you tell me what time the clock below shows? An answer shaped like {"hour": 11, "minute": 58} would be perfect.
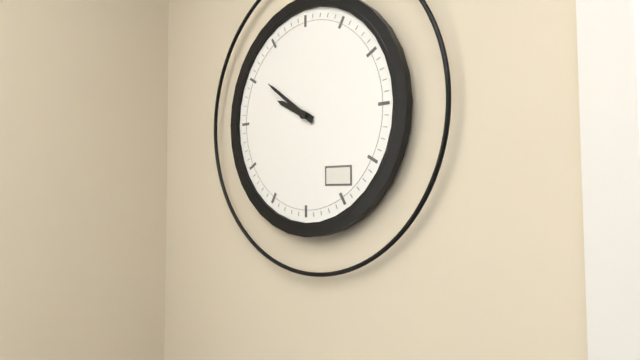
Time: {"hour": 9, "minute": 51}
